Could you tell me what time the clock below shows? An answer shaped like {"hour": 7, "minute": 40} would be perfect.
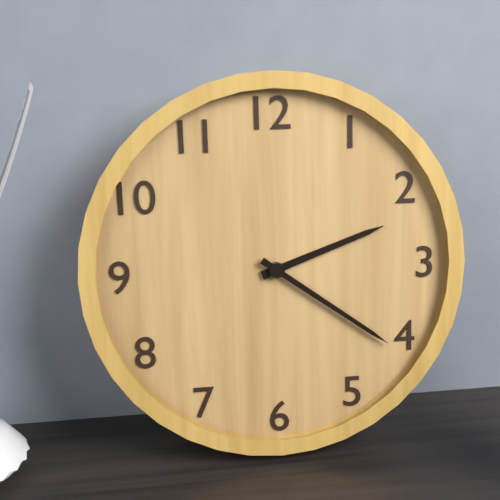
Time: {"hour": 2, "minute": 21}
